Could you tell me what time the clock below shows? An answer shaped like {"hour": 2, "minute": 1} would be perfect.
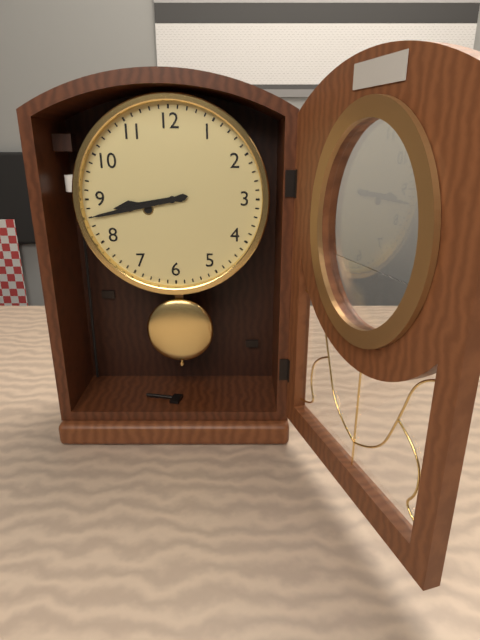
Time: {"hour": 8, "minute": 43}
